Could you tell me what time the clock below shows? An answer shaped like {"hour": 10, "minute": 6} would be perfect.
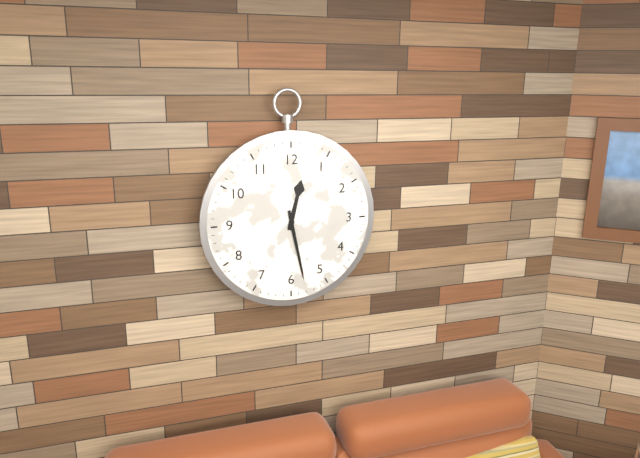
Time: {"hour": 12, "minute": 28}
